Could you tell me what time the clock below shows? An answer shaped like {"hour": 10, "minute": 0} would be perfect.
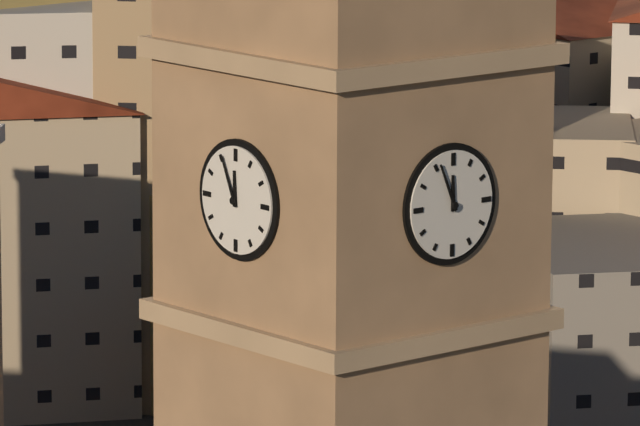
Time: {"hour": 11, "minute": 56}
